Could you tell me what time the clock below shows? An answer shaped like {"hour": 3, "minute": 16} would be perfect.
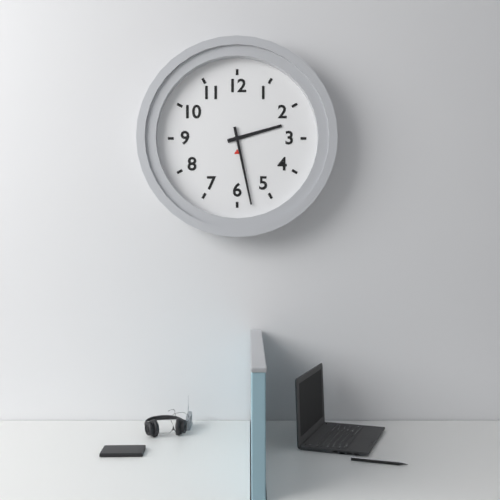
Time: {"hour": 2, "minute": 28}
